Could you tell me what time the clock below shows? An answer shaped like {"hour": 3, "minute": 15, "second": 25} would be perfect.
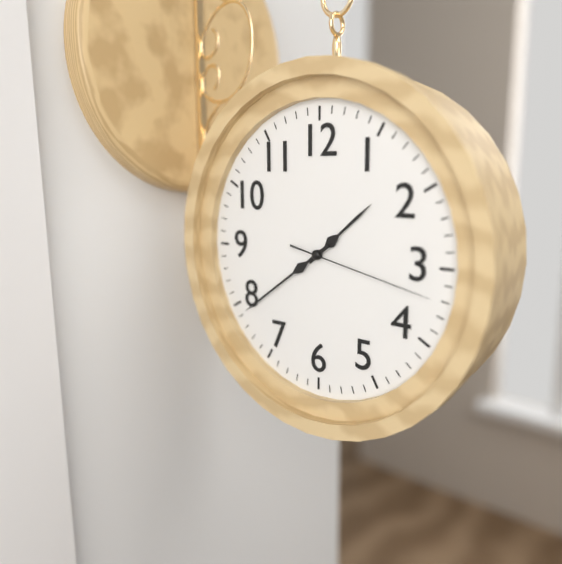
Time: {"hour": 1, "minute": 39, "second": 17}
